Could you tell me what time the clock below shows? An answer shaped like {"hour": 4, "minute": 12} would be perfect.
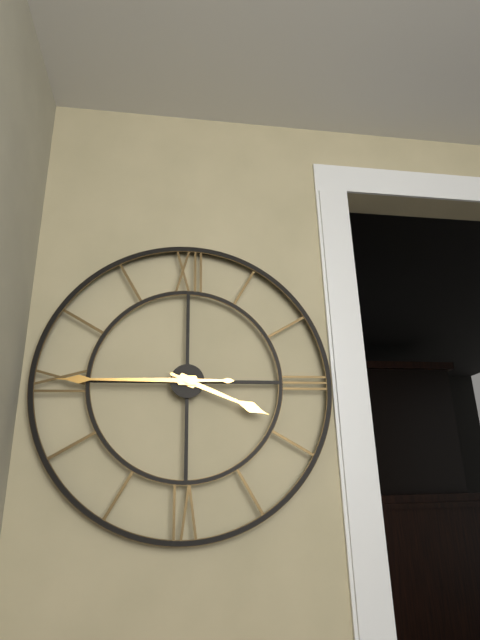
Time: {"hour": 3, "minute": 45}
